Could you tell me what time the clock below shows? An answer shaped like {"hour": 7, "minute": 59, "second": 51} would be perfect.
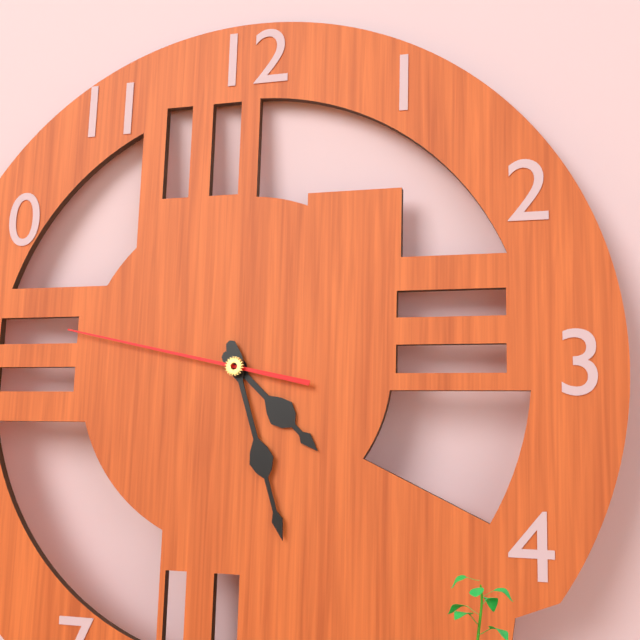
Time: {"hour": 4, "minute": 27, "second": 47}
